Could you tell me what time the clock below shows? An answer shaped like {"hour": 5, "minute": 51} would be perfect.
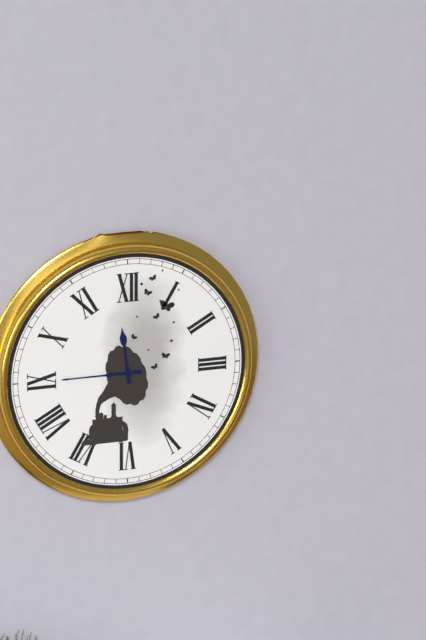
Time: {"hour": 11, "minute": 45}
